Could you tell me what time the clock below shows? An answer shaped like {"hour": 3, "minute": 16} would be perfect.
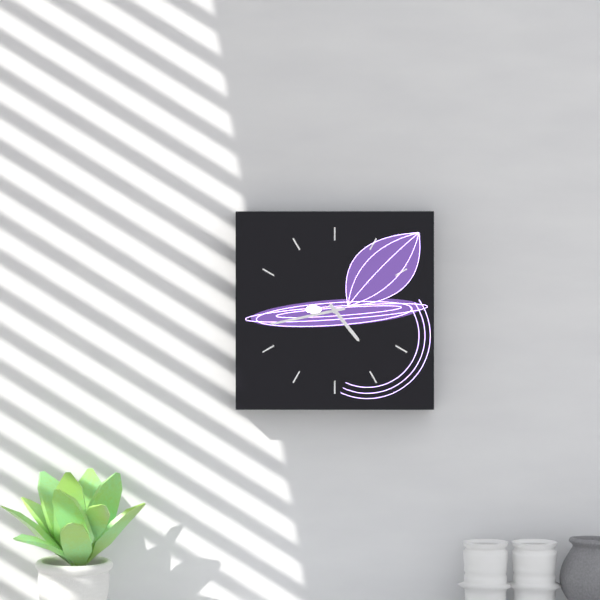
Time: {"hour": 4, "minute": 43}
